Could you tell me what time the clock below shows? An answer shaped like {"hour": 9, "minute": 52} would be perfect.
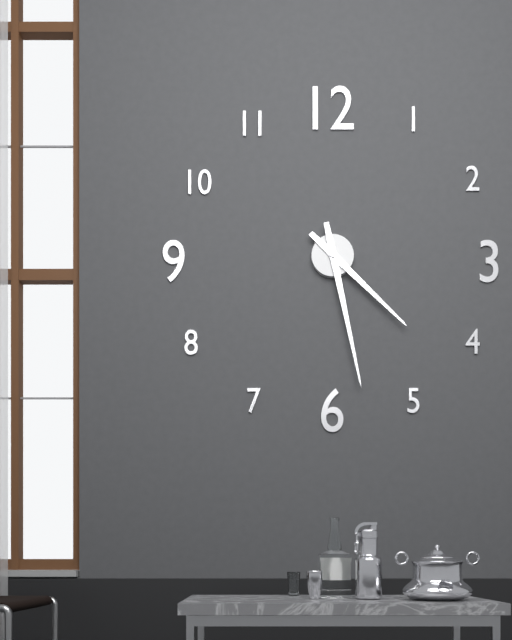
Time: {"hour": 4, "minute": 28}
